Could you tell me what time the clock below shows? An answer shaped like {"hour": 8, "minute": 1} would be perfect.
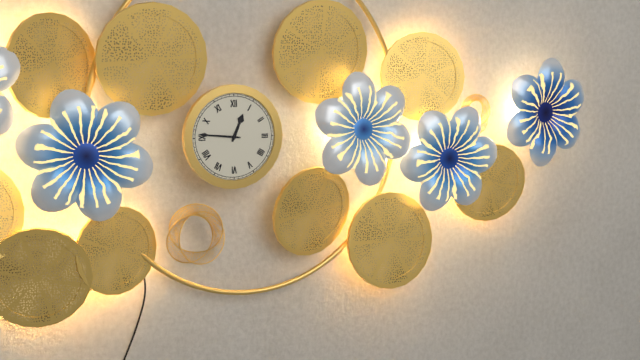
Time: {"hour": 12, "minute": 46}
